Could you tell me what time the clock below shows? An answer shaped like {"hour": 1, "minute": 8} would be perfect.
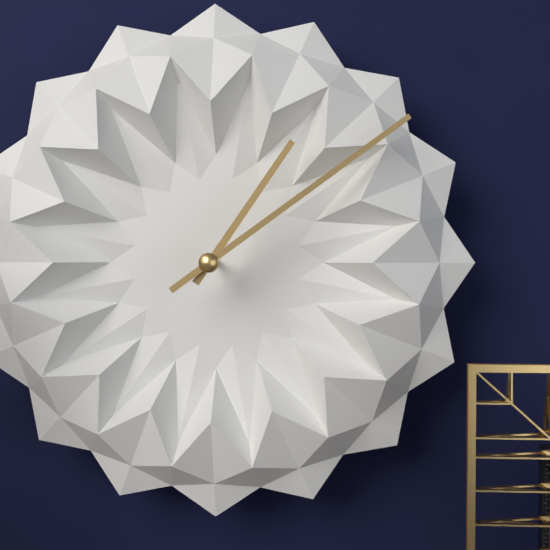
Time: {"hour": 1, "minute": 9}
